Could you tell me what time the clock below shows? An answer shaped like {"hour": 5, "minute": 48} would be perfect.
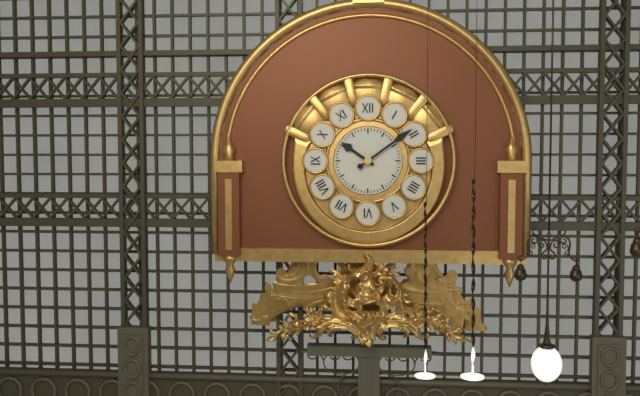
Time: {"hour": 10, "minute": 9}
